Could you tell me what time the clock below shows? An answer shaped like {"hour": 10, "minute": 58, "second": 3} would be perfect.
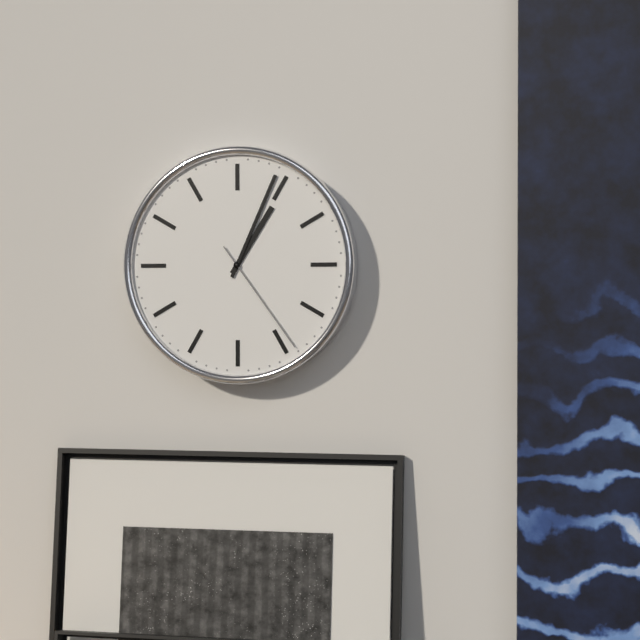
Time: {"hour": 1, "minute": 4, "second": 24}
